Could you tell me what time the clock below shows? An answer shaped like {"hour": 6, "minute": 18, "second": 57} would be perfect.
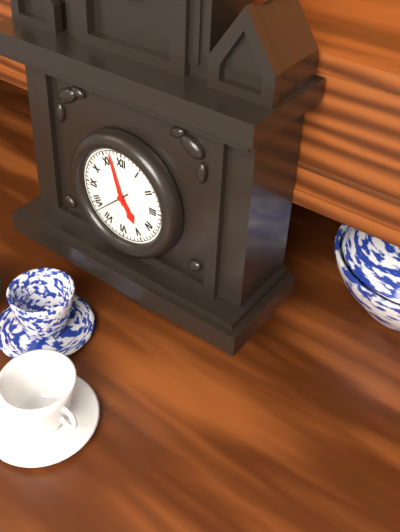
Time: {"hour": 4, "minute": 57, "second": 38}
